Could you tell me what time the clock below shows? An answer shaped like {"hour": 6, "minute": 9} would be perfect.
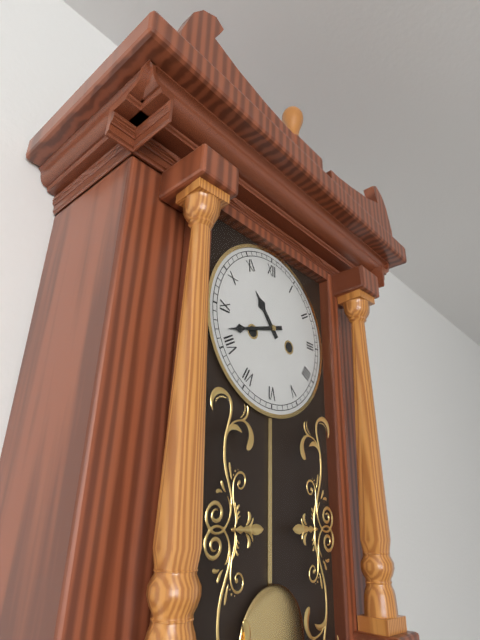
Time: {"hour": 10, "minute": 42}
